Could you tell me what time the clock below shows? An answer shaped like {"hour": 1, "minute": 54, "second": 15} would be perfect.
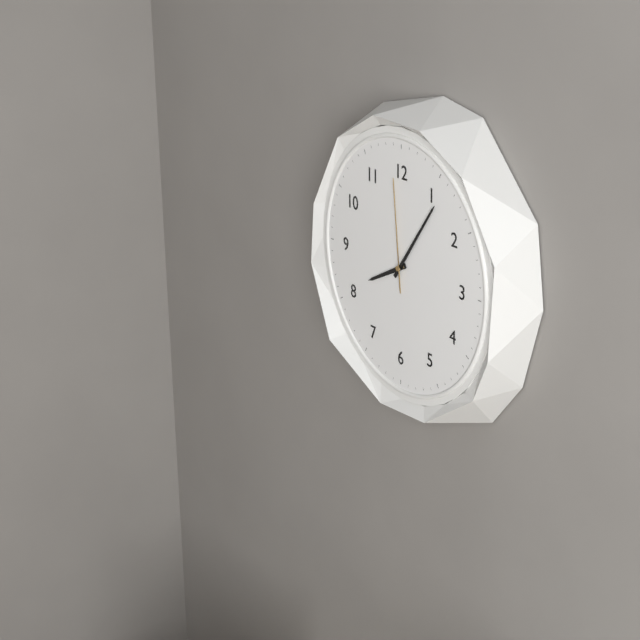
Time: {"hour": 8, "minute": 6, "second": 59}
